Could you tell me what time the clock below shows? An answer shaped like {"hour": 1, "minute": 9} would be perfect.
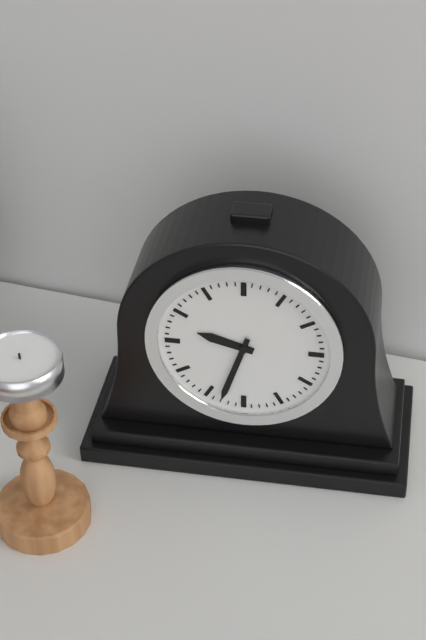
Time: {"hour": 9, "minute": 33}
